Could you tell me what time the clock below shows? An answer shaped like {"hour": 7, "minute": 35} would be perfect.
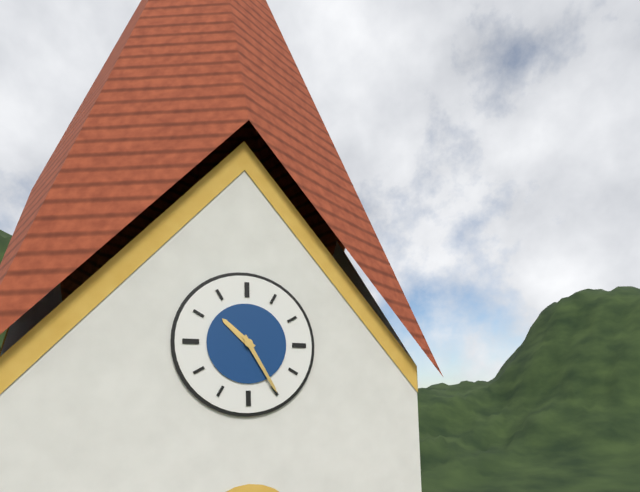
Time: {"hour": 10, "minute": 25}
